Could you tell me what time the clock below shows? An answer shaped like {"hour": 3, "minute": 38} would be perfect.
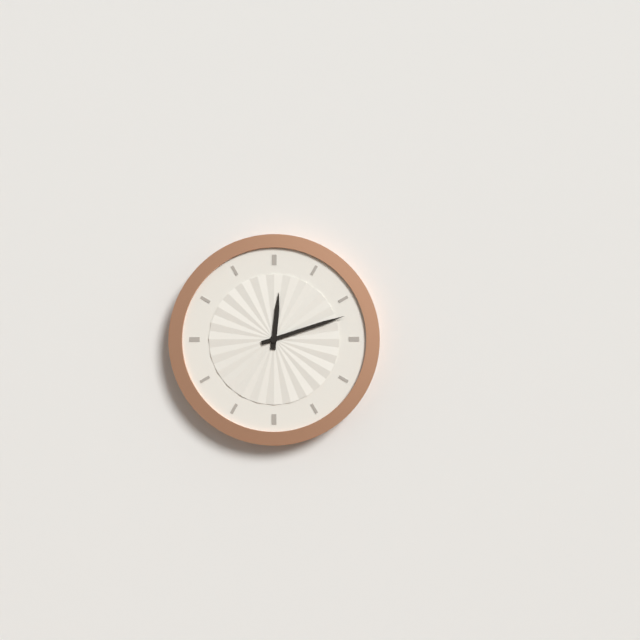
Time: {"hour": 12, "minute": 12}
